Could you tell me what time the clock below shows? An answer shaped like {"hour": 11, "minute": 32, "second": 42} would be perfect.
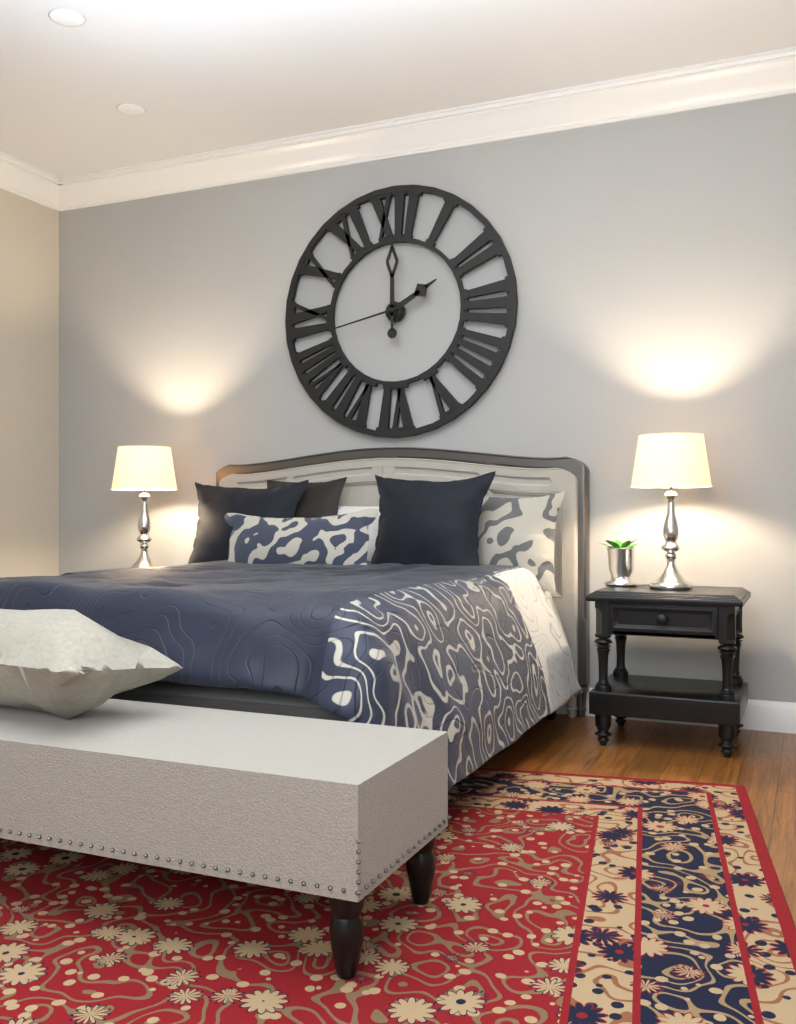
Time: {"hour": 2, "minute": 0, "second": 43}
